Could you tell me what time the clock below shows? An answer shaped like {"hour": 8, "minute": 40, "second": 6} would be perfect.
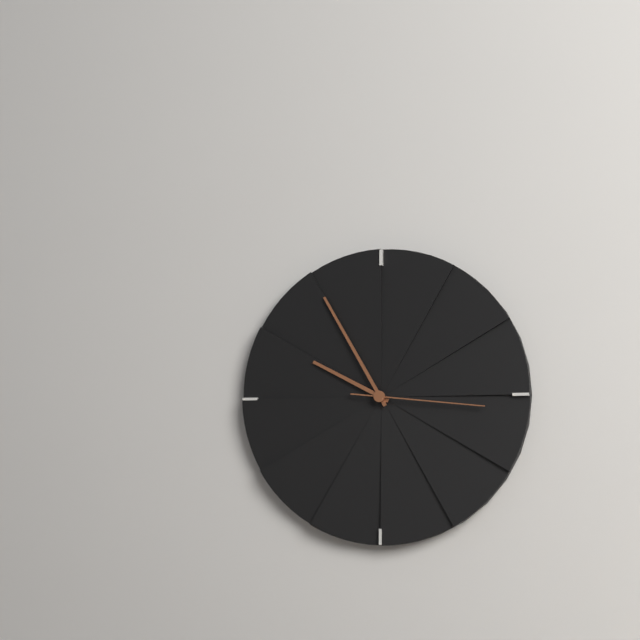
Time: {"hour": 9, "minute": 55, "second": 16}
